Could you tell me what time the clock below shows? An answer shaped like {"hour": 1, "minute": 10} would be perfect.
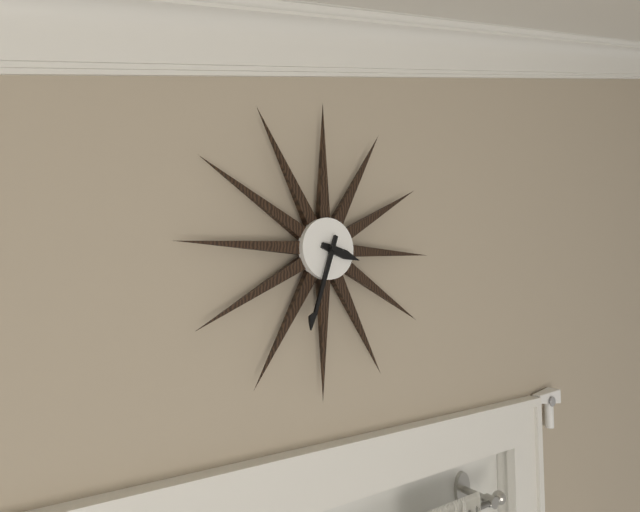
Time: {"hour": 3, "minute": 33}
